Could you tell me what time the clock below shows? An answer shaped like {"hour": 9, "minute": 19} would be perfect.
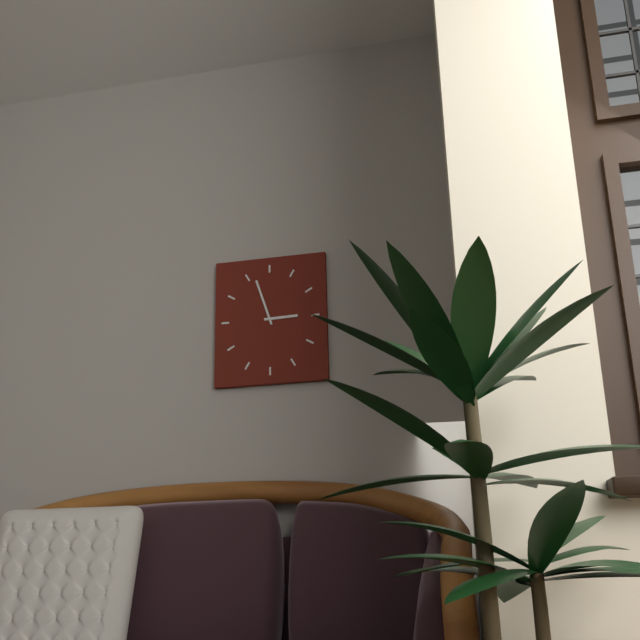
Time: {"hour": 2, "minute": 57}
